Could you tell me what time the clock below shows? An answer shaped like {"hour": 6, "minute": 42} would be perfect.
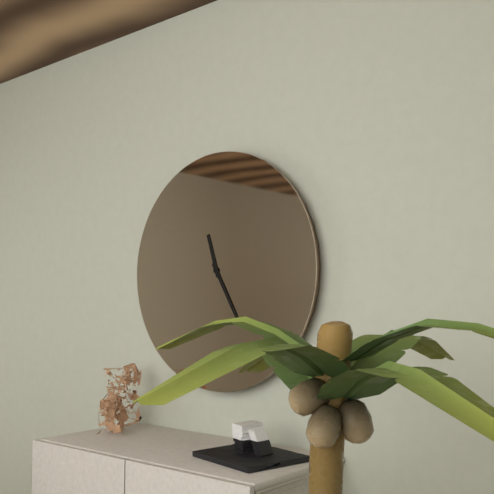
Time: {"hour": 11, "minute": 25}
